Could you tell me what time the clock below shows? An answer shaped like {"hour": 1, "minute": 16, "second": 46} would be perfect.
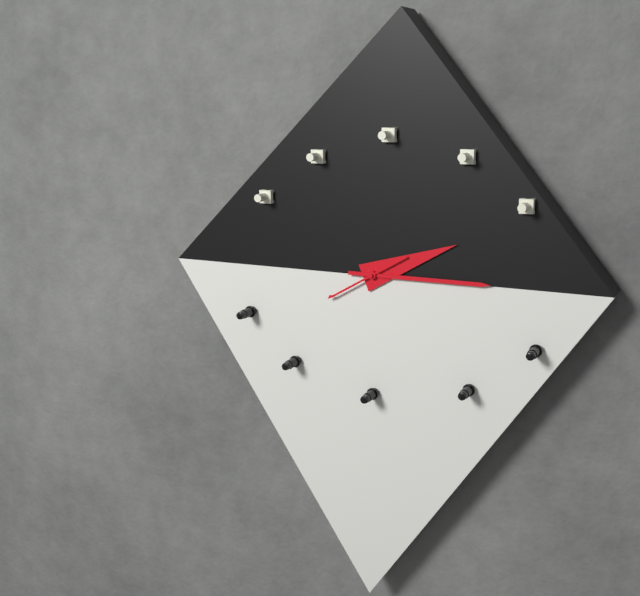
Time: {"hour": 2, "minute": 15, "second": 40}
